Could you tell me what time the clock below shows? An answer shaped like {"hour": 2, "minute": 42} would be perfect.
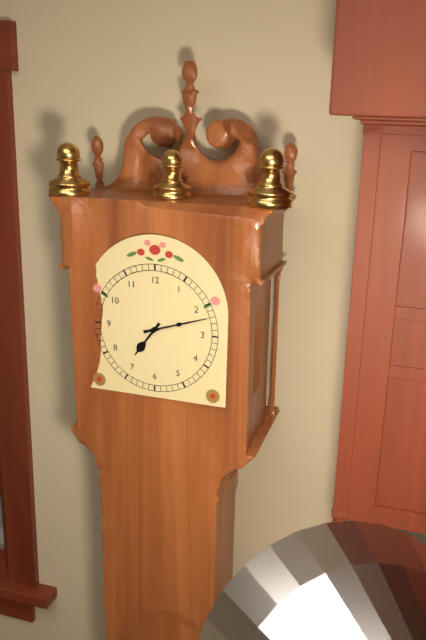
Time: {"hour": 7, "minute": 12}
